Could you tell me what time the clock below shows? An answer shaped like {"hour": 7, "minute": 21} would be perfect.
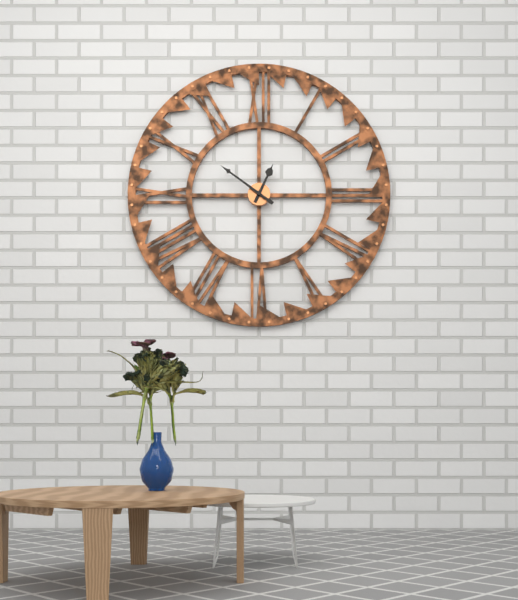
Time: {"hour": 12, "minute": 51}
